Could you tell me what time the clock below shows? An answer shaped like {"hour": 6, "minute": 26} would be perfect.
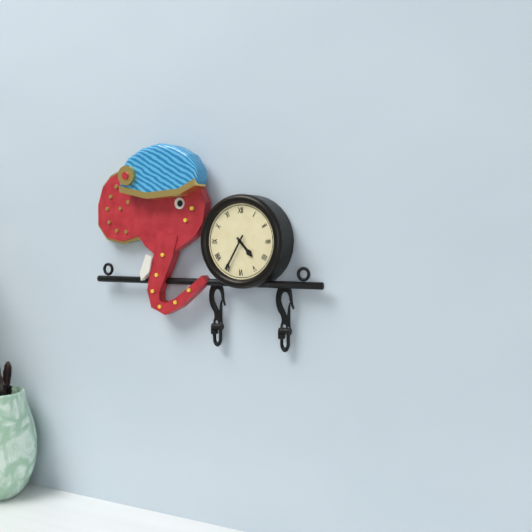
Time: {"hour": 4, "minute": 35}
